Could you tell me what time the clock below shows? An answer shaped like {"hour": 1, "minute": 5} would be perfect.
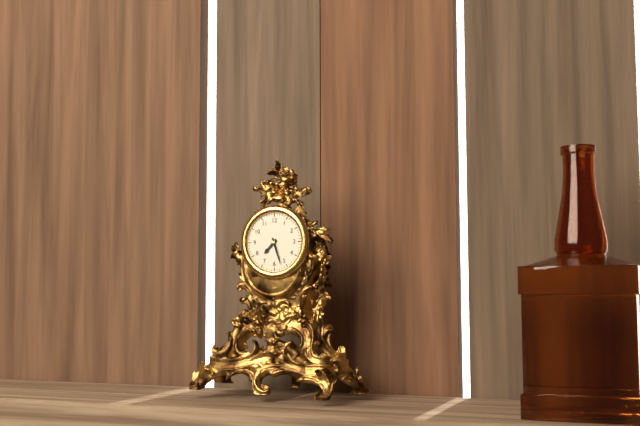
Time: {"hour": 7, "minute": 27}
